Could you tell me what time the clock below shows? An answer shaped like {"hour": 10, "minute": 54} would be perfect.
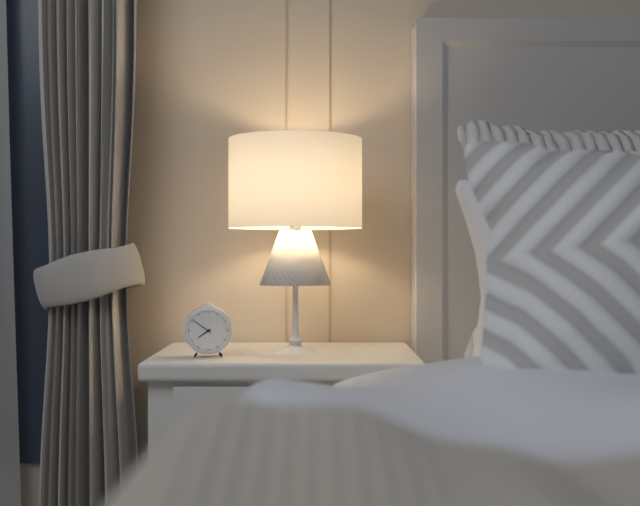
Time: {"hour": 7, "minute": 51}
